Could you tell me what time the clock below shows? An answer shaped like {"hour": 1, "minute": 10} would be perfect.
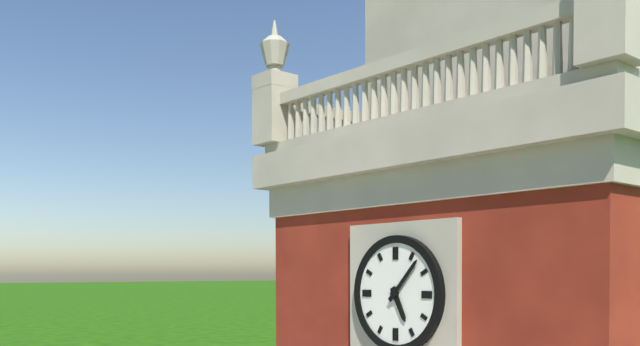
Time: {"hour": 5, "minute": 7}
